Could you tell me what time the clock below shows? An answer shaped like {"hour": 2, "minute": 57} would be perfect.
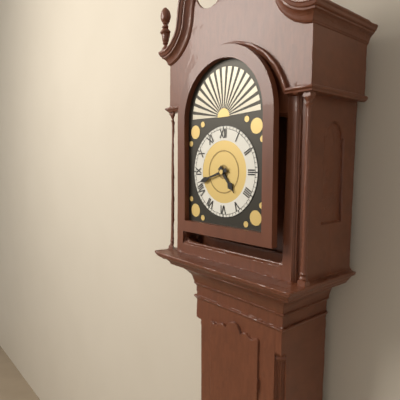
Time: {"hour": 4, "minute": 42}
